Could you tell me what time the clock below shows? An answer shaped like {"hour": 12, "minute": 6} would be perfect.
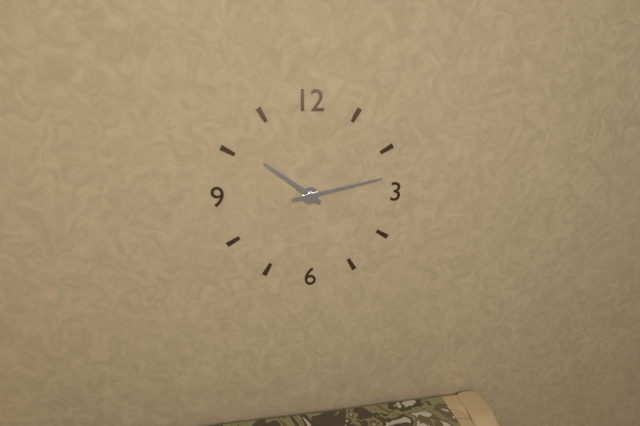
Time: {"hour": 10, "minute": 13}
